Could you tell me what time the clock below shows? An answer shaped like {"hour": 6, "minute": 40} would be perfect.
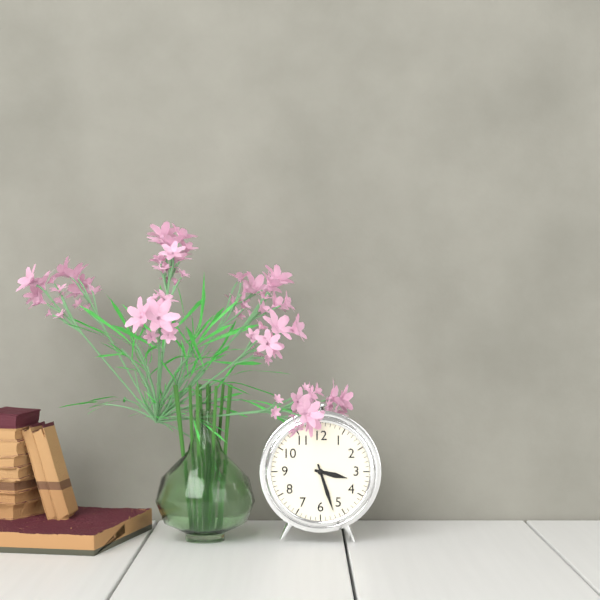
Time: {"hour": 3, "minute": 27}
